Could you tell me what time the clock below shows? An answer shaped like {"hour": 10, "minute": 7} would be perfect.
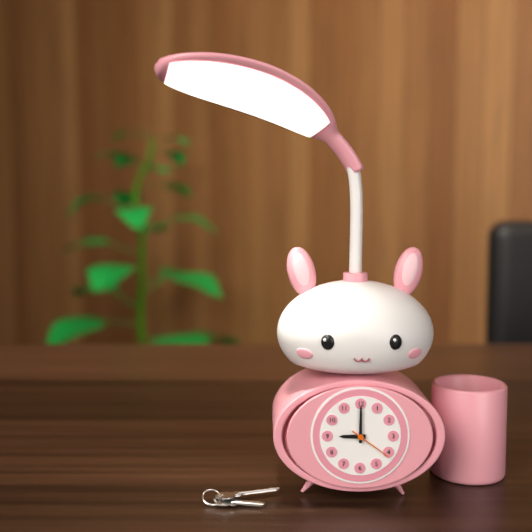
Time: {"hour": 9, "minute": 0}
